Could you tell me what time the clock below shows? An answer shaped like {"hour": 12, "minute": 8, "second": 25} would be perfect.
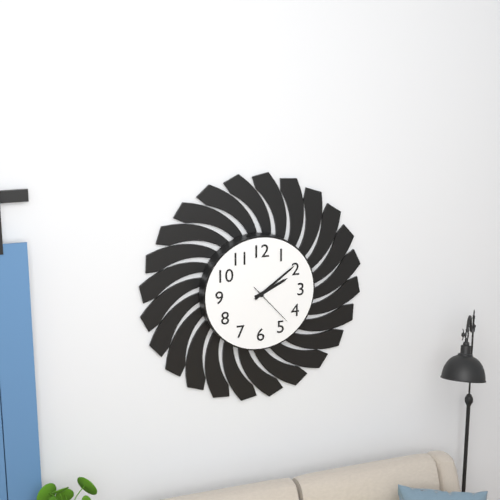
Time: {"hour": 2, "minute": 9, "second": 23}
